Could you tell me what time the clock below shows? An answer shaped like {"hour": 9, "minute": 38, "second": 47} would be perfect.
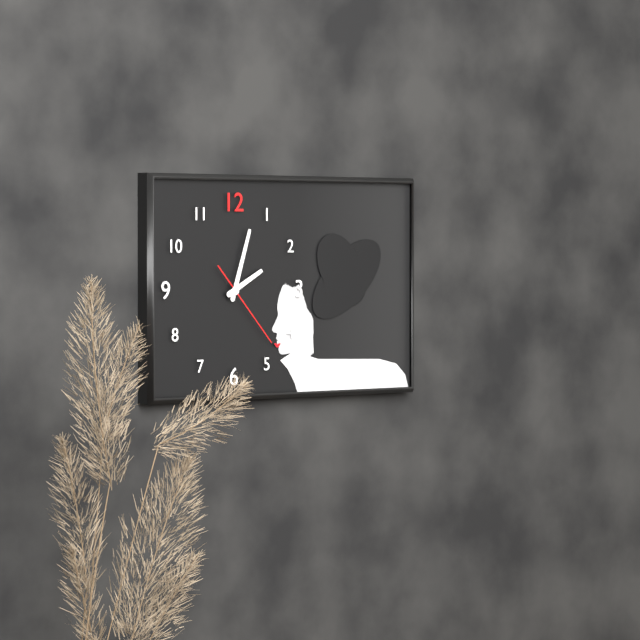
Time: {"hour": 2, "minute": 3, "second": 23}
